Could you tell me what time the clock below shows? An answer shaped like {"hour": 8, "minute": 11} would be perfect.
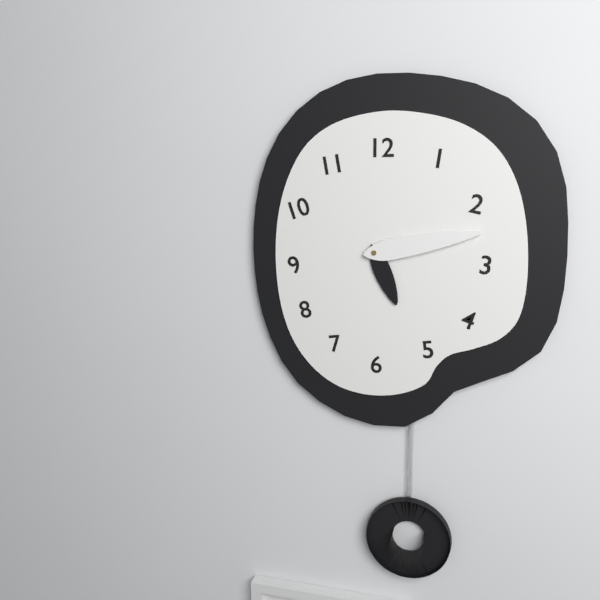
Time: {"hour": 5, "minute": 13}
